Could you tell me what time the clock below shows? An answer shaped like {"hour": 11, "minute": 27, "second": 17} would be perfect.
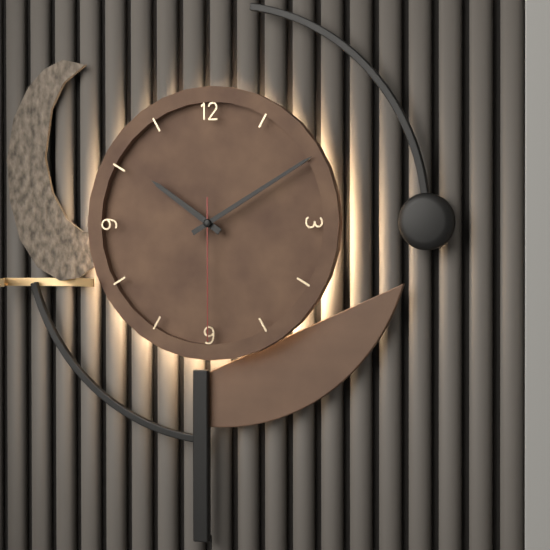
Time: {"hour": 10, "minute": 10, "second": 30}
